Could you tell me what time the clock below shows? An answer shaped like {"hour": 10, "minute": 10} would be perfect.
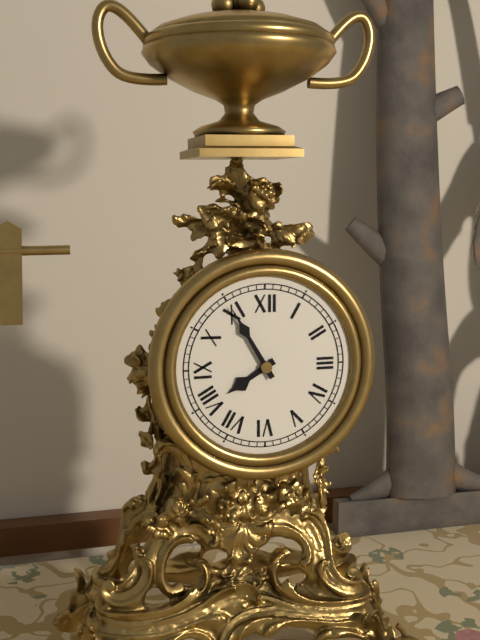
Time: {"hour": 7, "minute": 55}
